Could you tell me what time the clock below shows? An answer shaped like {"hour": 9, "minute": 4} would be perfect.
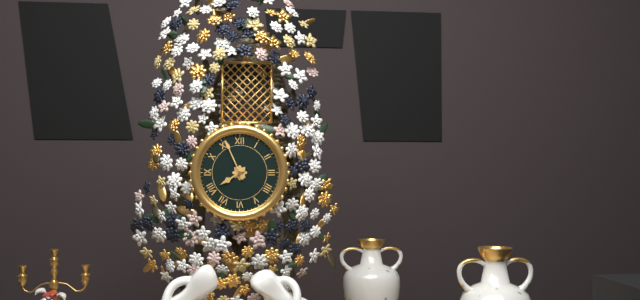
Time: {"hour": 7, "minute": 56}
